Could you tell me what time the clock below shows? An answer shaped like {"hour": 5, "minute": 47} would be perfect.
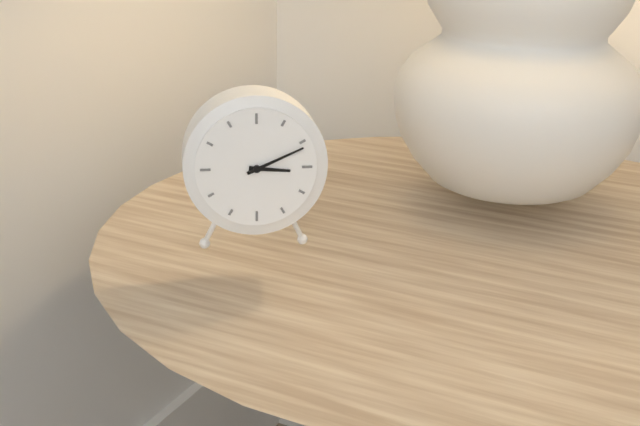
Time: {"hour": 3, "minute": 11}
